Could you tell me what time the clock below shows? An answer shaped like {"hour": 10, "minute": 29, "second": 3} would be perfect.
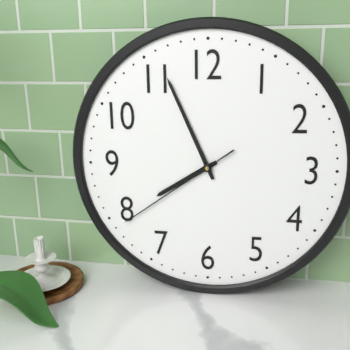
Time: {"hour": 7, "minute": 56, "second": 39}
